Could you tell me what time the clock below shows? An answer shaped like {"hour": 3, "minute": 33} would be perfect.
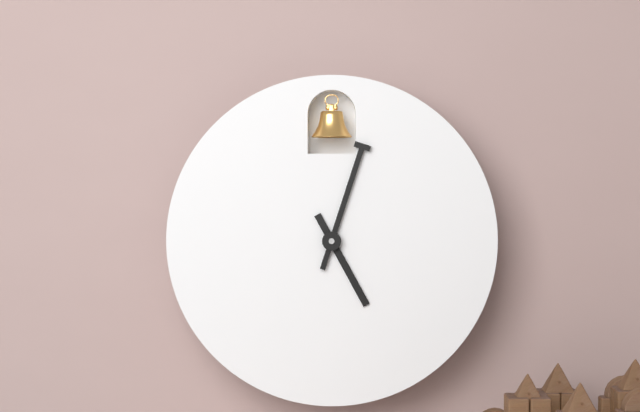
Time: {"hour": 5, "minute": 3}
